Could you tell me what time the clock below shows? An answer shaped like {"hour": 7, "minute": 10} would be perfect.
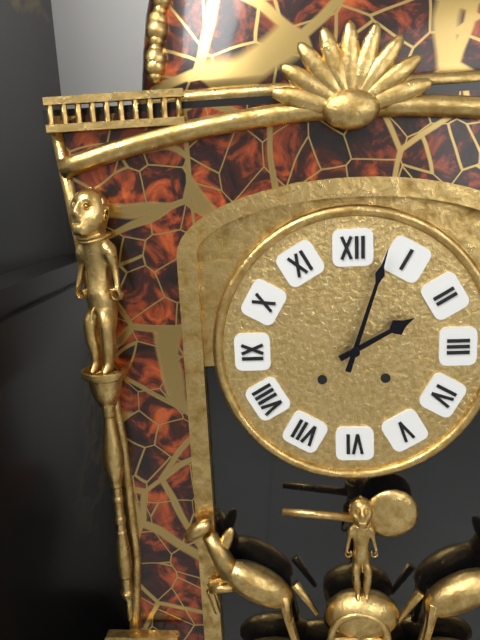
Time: {"hour": 2, "minute": 3}
